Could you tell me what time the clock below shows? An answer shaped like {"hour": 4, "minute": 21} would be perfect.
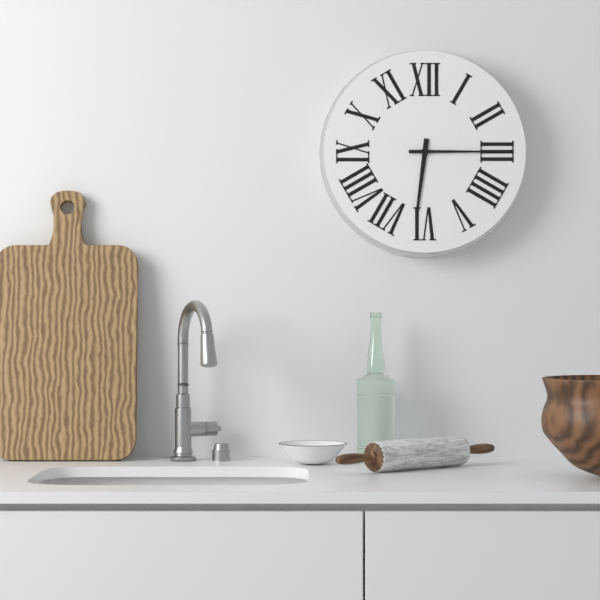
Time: {"hour": 6, "minute": 15}
